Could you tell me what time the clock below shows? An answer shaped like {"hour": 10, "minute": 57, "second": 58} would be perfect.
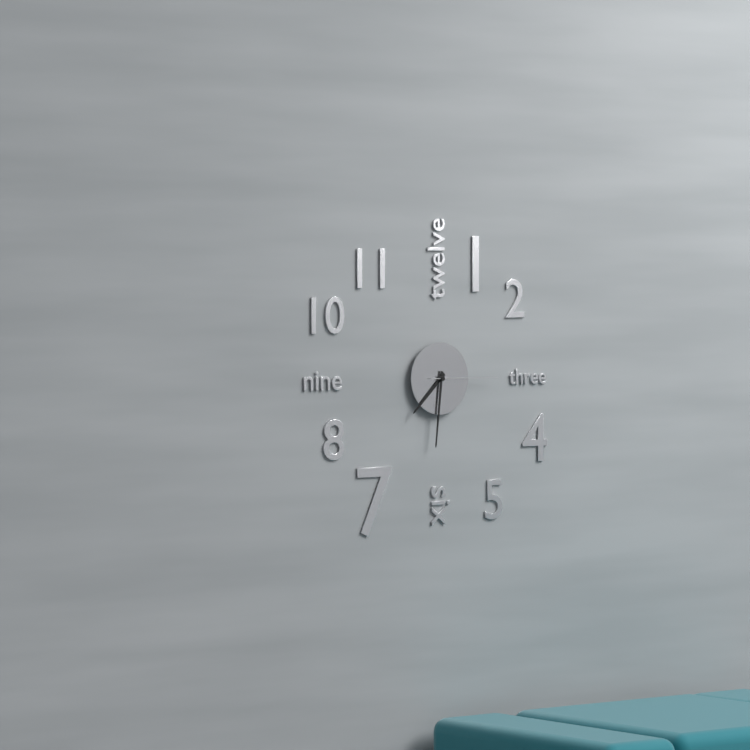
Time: {"hour": 7, "minute": 31, "second": 15}
